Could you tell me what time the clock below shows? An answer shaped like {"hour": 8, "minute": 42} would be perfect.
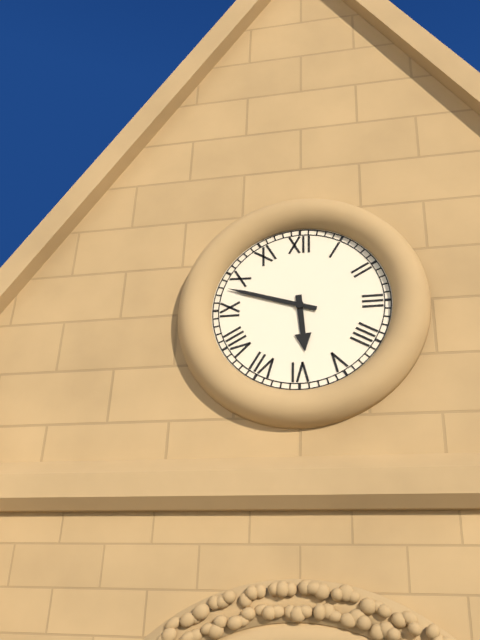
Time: {"hour": 5, "minute": 48}
